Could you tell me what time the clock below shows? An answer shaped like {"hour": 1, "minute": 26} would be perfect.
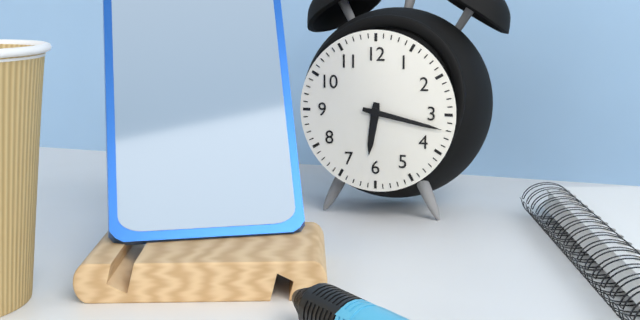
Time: {"hour": 6, "minute": 17}
